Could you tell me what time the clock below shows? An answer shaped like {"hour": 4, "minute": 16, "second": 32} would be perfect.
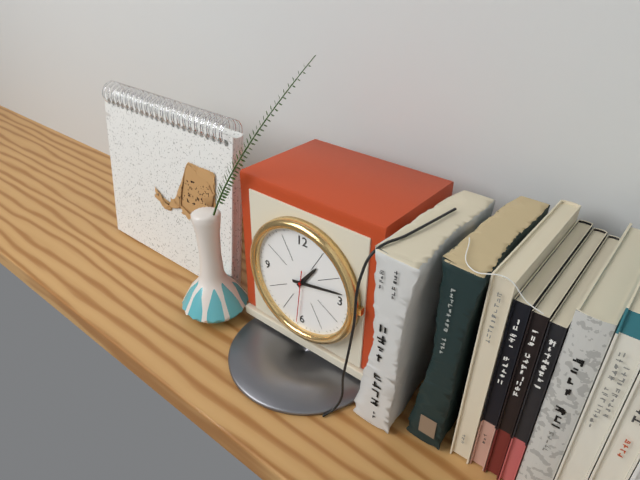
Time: {"hour": 1, "minute": 13, "second": 31}
